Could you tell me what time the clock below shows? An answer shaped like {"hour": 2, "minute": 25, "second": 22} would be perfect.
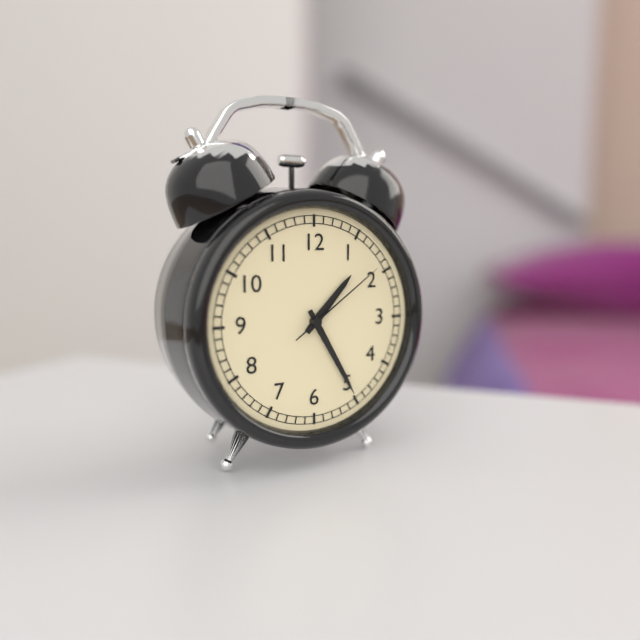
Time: {"hour": 1, "minute": 25, "second": 9}
